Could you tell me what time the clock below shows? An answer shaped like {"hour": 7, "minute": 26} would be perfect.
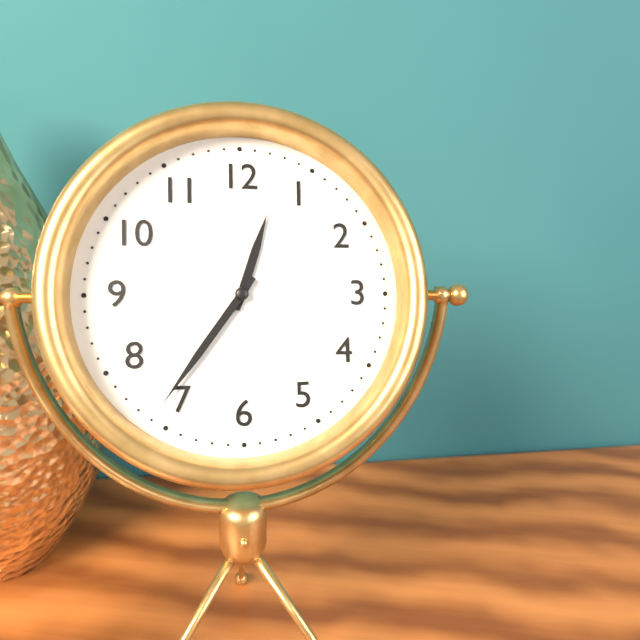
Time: {"hour": 12, "minute": 36}
